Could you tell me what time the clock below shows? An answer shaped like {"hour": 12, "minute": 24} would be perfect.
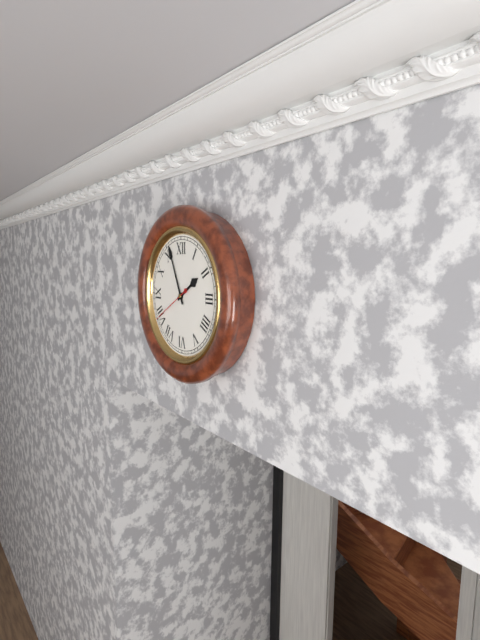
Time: {"hour": 1, "minute": 56}
